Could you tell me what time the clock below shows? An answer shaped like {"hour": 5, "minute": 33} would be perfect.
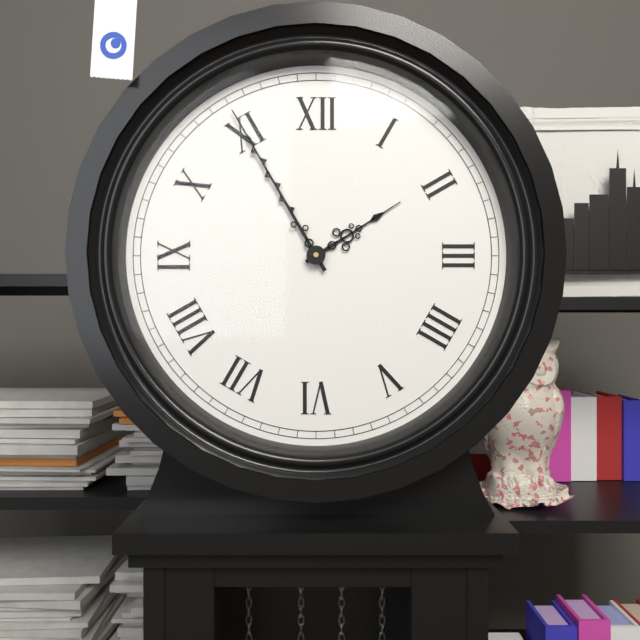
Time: {"hour": 1, "minute": 55}
